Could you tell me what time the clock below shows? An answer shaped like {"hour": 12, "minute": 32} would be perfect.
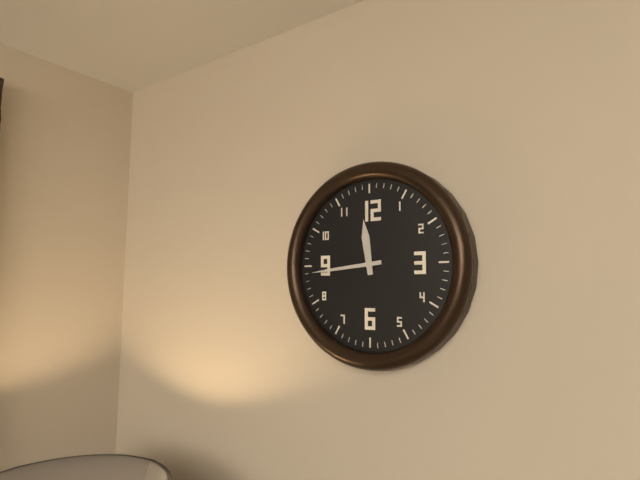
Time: {"hour": 11, "minute": 44}
